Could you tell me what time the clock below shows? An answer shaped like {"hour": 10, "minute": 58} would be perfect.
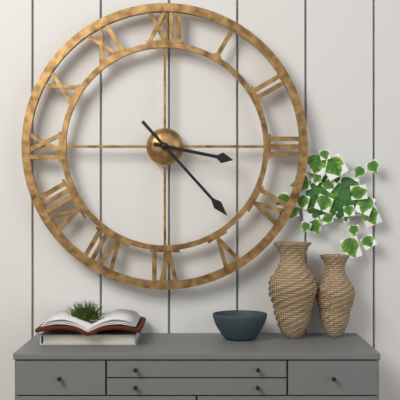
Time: {"hour": 3, "minute": 23}
